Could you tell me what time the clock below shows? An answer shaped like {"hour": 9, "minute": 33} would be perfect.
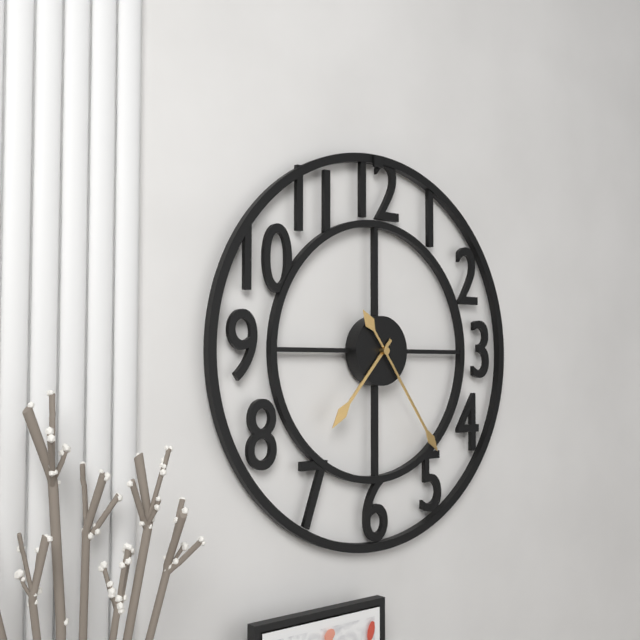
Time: {"hour": 7, "minute": 24}
